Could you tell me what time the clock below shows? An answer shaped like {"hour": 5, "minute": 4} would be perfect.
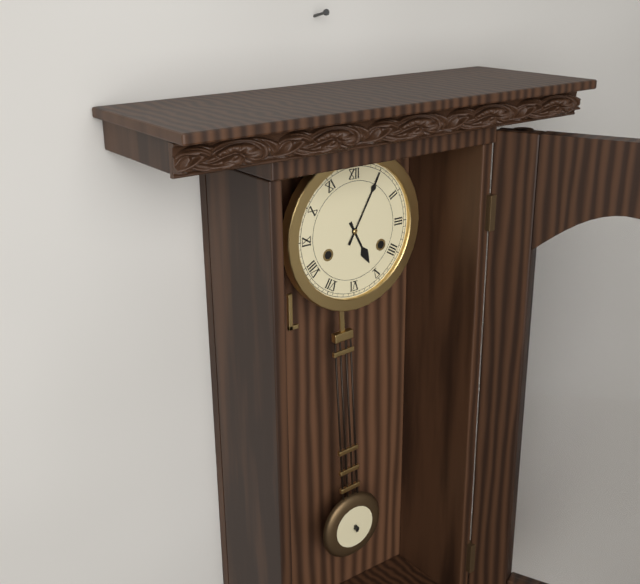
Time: {"hour": 5, "minute": 5}
